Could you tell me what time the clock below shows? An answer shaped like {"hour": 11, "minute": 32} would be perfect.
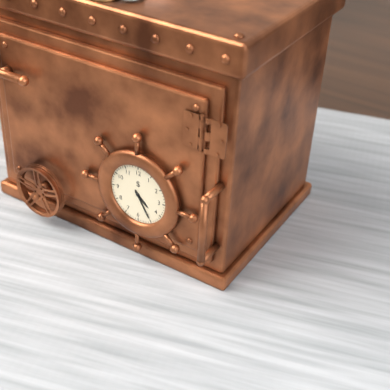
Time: {"hour": 4, "minute": 25}
